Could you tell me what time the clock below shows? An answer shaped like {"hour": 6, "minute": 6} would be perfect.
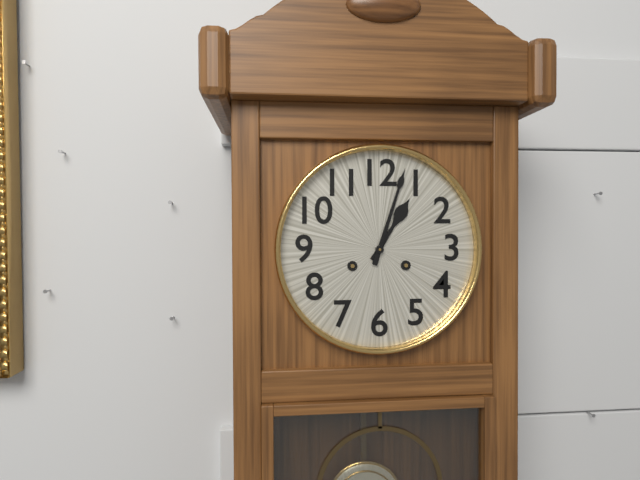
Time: {"hour": 1, "minute": 3}
